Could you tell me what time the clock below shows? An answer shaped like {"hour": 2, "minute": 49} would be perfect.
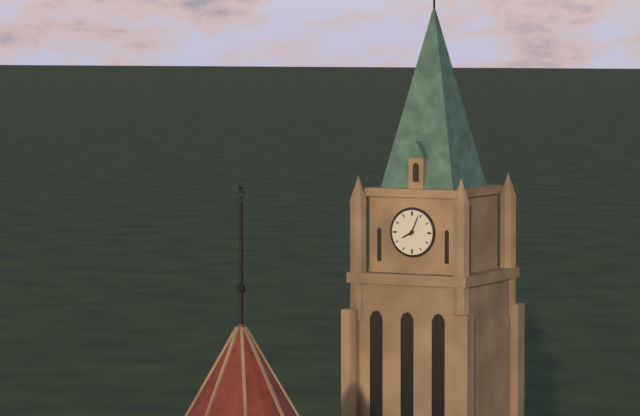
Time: {"hour": 8, "minute": 4}
